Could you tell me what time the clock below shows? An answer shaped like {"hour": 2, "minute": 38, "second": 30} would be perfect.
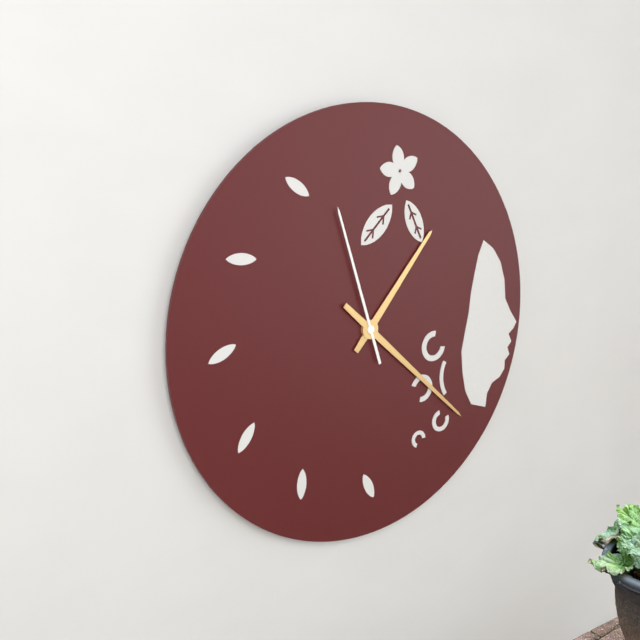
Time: {"hour": 1, "minute": 22, "second": 57}
